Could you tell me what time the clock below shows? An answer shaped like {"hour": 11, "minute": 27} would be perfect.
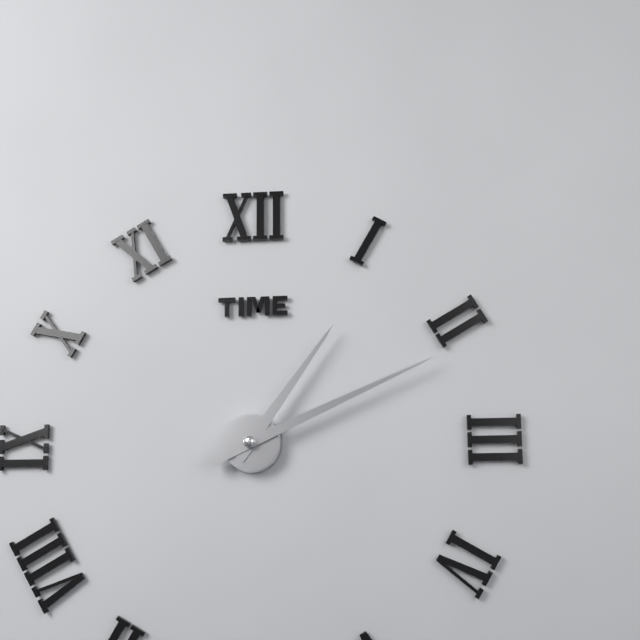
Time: {"hour": 1, "minute": 11}
